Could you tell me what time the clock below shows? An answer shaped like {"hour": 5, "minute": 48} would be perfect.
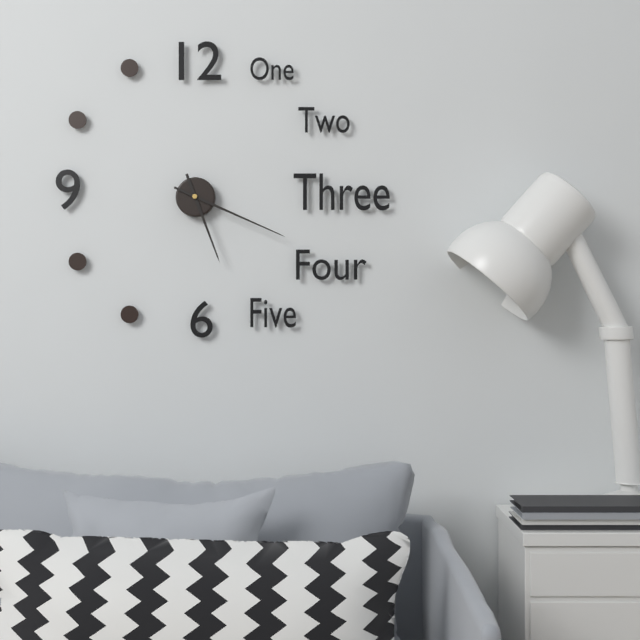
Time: {"hour": 5, "minute": 19}
